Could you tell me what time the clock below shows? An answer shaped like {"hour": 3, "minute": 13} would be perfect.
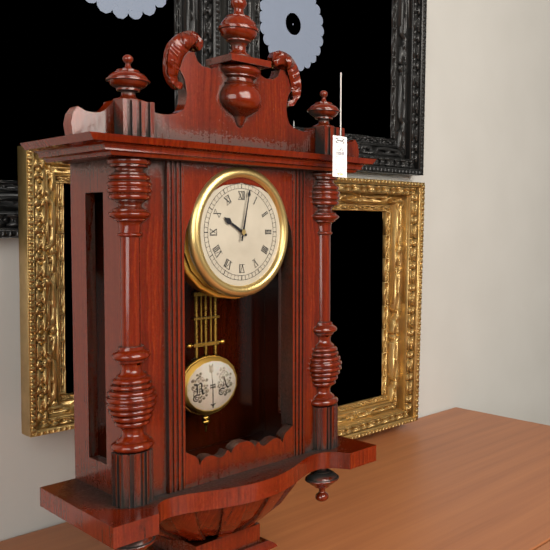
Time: {"hour": 10, "minute": 2}
